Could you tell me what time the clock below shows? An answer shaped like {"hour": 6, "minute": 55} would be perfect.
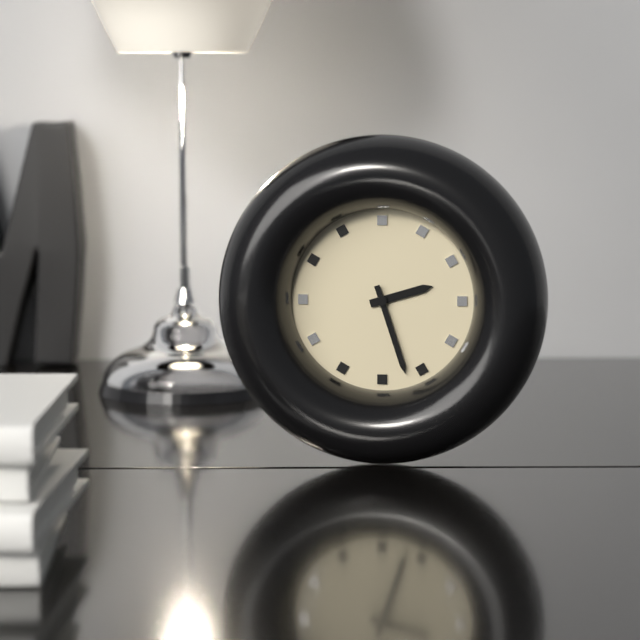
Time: {"hour": 2, "minute": 27}
